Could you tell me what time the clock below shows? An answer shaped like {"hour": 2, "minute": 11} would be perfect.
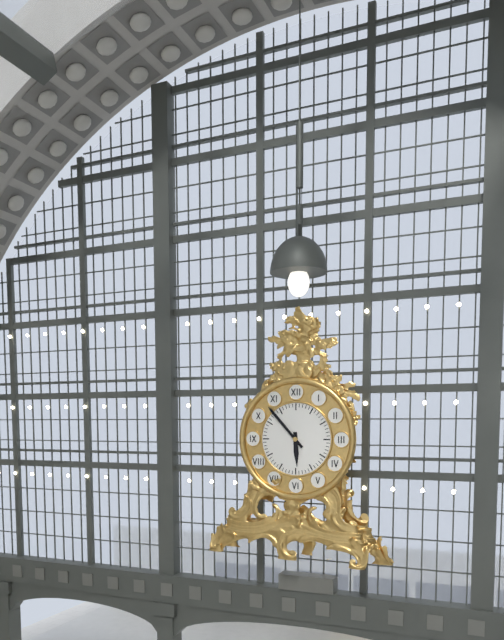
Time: {"hour": 5, "minute": 53}
